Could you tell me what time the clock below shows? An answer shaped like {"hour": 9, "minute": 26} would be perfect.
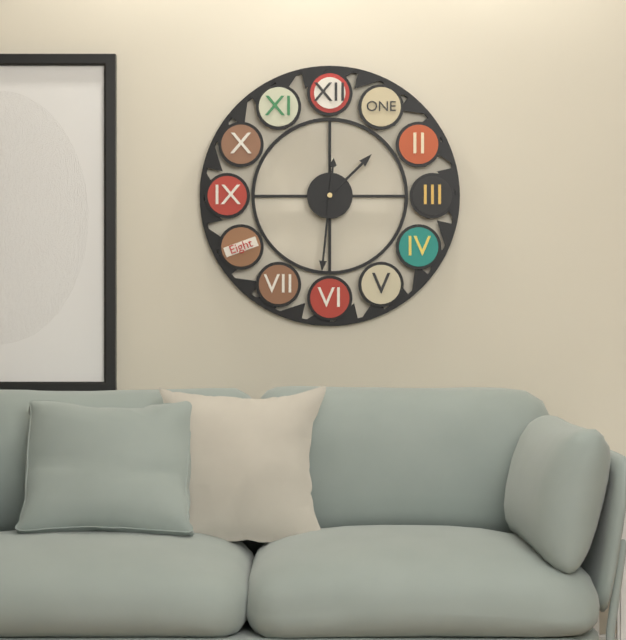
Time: {"hour": 1, "minute": 31}
